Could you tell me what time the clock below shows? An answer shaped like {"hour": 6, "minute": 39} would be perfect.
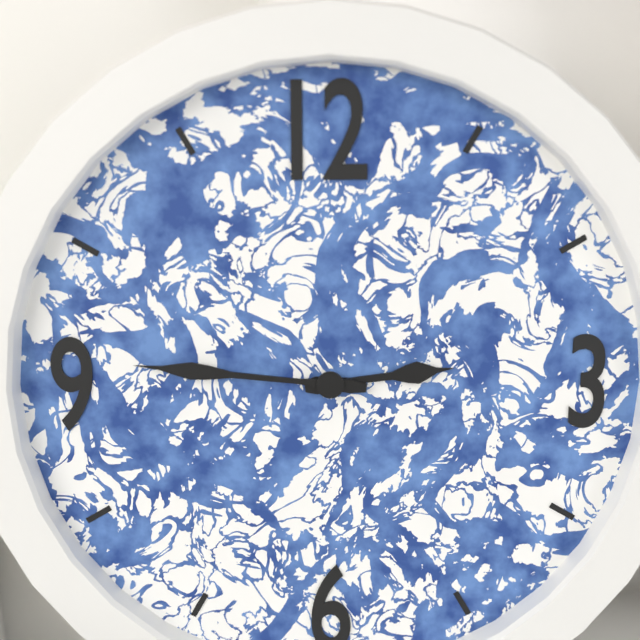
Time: {"hour": 2, "minute": 46}
